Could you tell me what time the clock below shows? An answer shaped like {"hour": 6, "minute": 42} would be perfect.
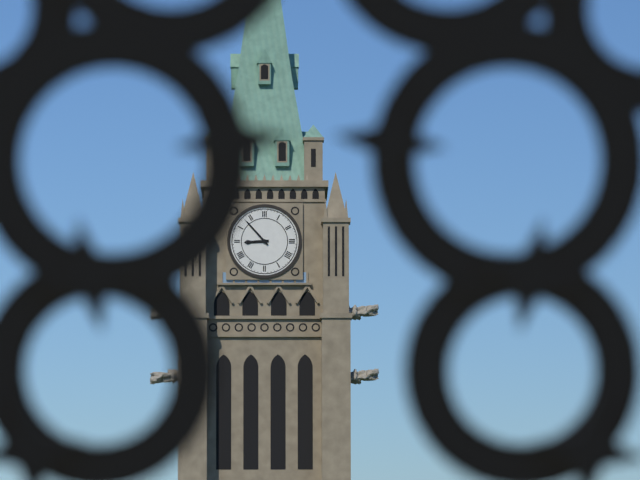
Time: {"hour": 8, "minute": 53}
